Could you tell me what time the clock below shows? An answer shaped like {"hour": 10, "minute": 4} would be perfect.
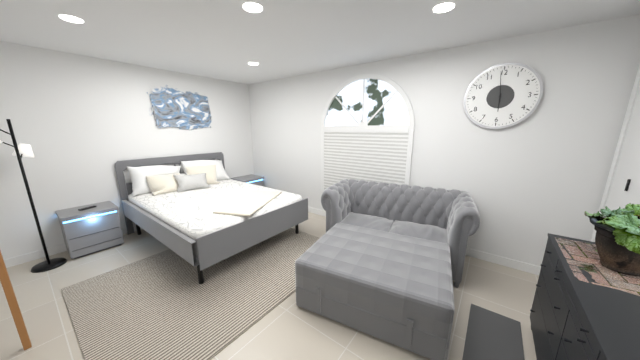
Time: {"hour": 5, "minute": 59}
